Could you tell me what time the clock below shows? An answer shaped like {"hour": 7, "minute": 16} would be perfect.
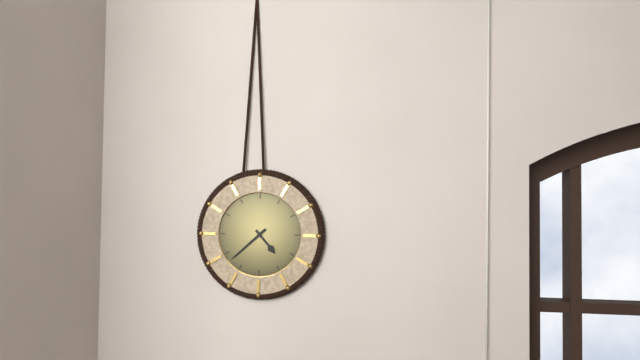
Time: {"hour": 4, "minute": 38}
